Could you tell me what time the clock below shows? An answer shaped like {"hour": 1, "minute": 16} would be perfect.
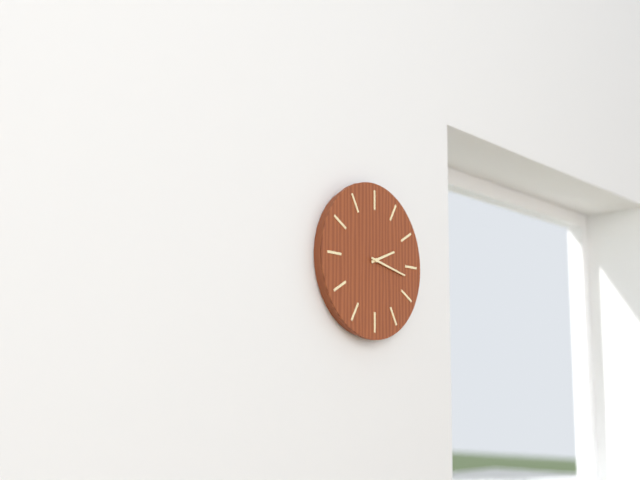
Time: {"hour": 2, "minute": 17}
